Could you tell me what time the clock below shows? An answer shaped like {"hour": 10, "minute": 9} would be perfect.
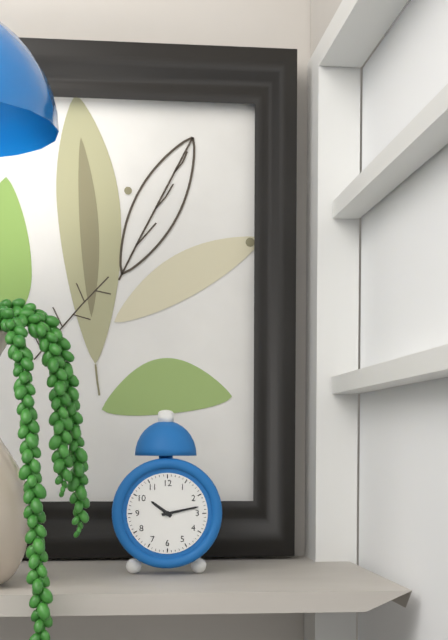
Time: {"hour": 10, "minute": 13}
